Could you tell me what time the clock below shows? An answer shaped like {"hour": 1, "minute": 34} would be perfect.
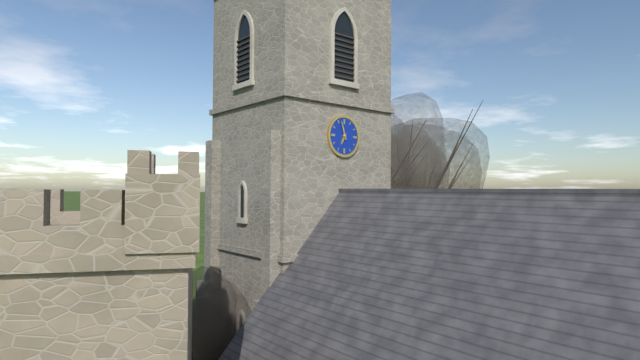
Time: {"hour": 6, "minute": 57}
